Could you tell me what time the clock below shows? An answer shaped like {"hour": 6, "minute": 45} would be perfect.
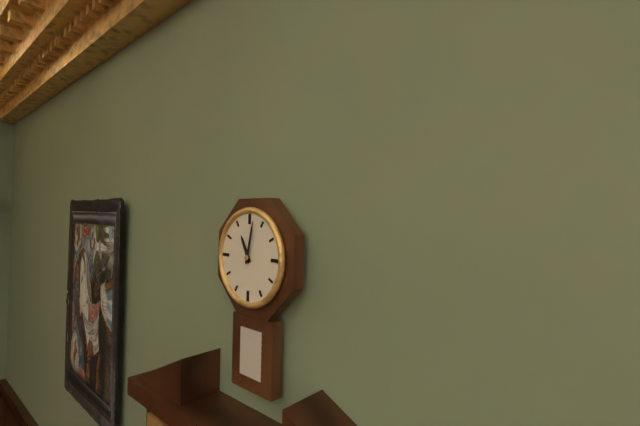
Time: {"hour": 11, "minute": 2}
